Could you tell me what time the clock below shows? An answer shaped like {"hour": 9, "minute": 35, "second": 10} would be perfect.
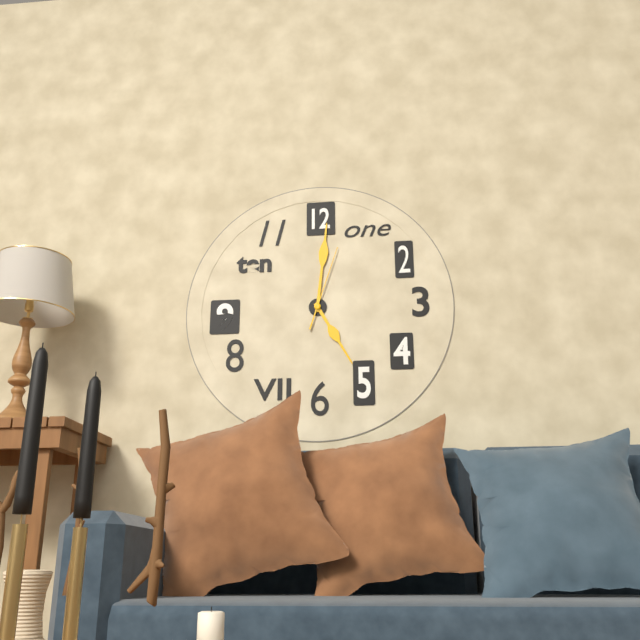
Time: {"hour": 5, "minute": 1, "second": 3}
